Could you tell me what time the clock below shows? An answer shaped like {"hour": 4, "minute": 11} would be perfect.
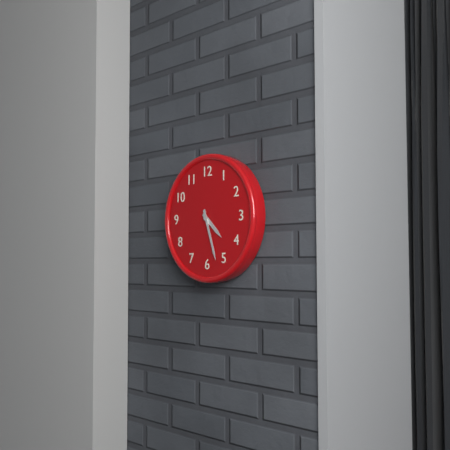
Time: {"hour": 4, "minute": 27}
